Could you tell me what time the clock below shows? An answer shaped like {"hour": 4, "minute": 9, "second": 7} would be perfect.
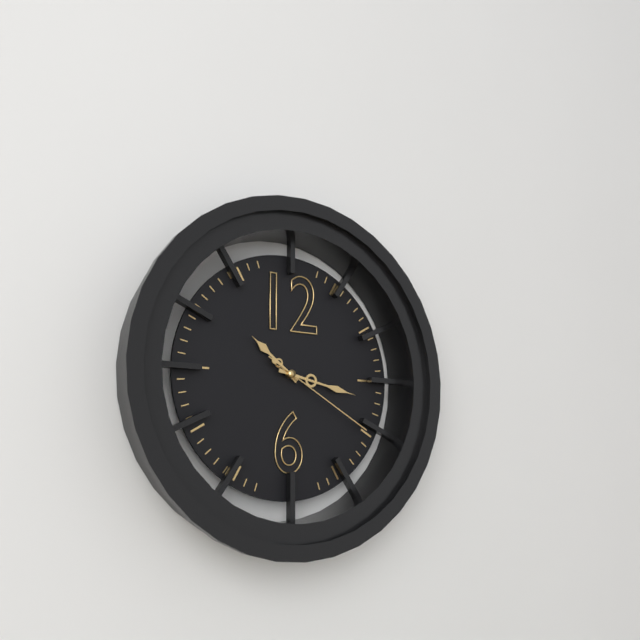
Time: {"hour": 10, "minute": 17, "second": 20}
